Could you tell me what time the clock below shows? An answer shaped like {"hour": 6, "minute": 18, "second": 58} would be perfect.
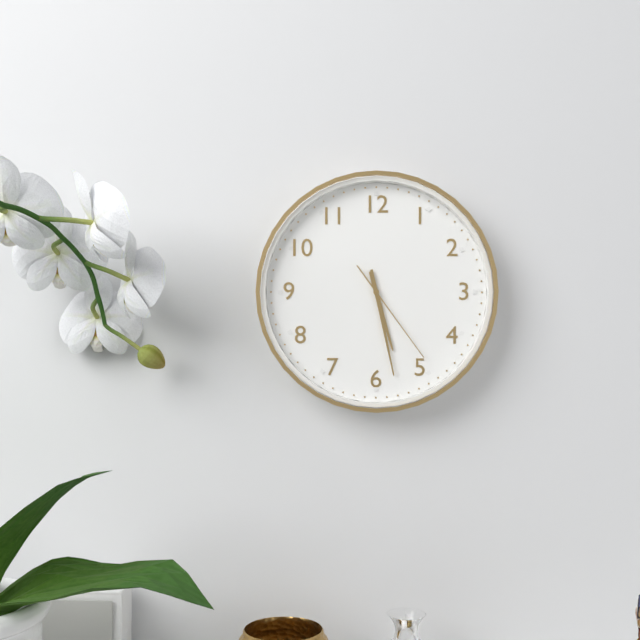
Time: {"hour": 5, "minute": 28, "second": 24}
